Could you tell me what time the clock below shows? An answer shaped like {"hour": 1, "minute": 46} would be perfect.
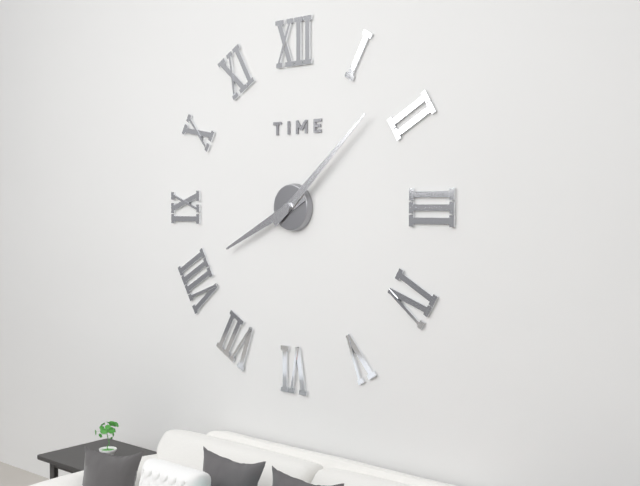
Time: {"hour": 8, "minute": 8}
